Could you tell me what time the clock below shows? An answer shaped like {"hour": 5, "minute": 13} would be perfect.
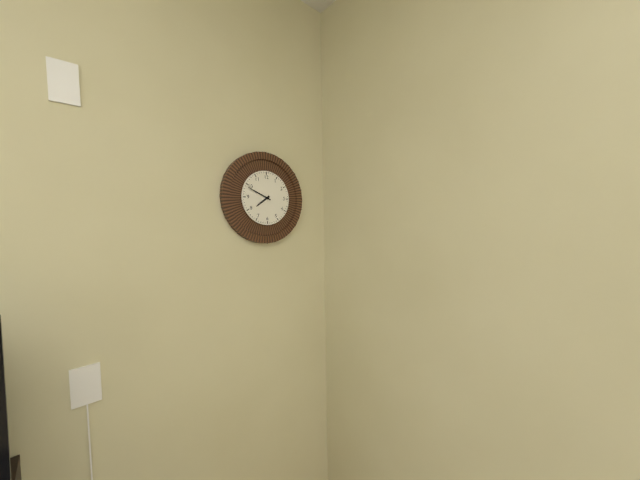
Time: {"hour": 7, "minute": 49}
